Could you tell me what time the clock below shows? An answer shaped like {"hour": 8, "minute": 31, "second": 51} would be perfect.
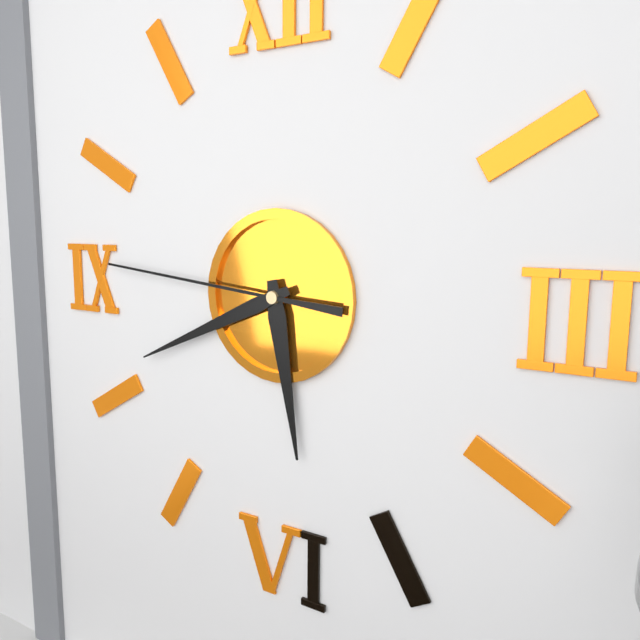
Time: {"hour": 5, "minute": 41, "second": 46}
